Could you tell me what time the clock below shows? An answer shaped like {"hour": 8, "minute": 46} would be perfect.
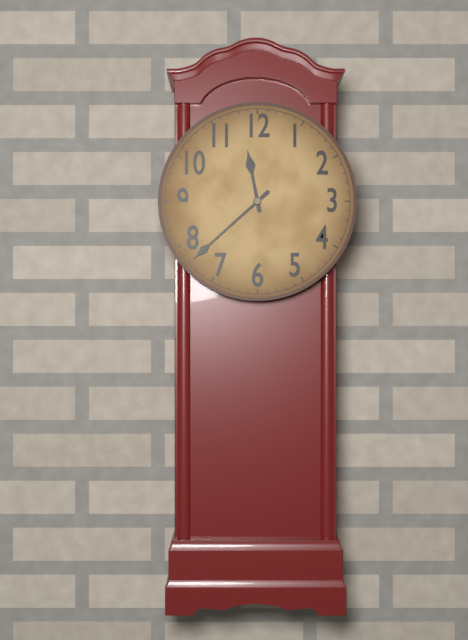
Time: {"hour": 11, "minute": 38}
